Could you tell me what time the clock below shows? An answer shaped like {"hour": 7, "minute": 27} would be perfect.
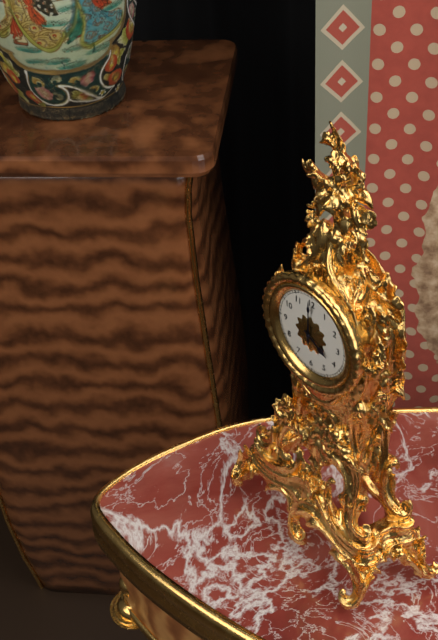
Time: {"hour": 4, "minute": 0}
